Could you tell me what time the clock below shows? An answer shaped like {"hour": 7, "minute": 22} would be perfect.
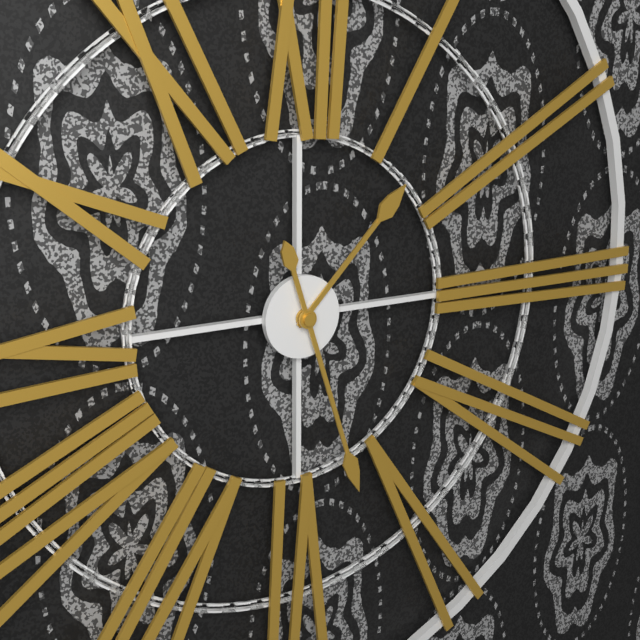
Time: {"hour": 1, "minute": 27}
